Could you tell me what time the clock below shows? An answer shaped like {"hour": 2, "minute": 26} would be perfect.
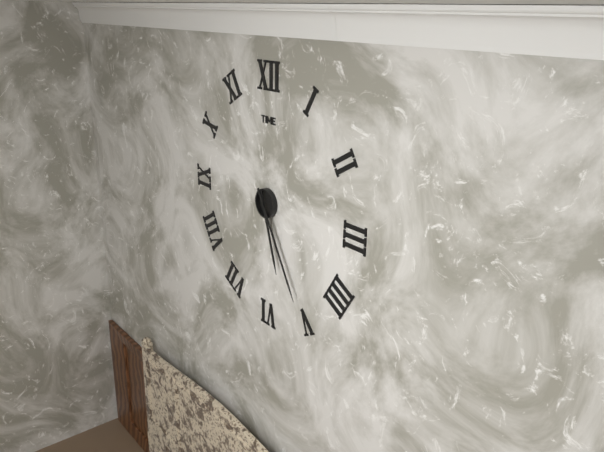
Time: {"hour": 5, "minute": 25}
